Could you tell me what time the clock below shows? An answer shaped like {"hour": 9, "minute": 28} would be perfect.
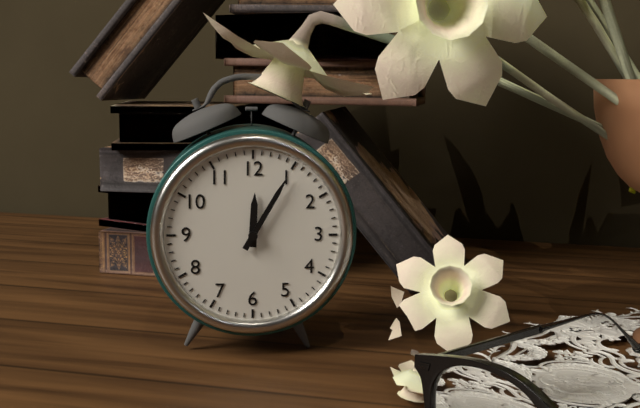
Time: {"hour": 12, "minute": 5}
